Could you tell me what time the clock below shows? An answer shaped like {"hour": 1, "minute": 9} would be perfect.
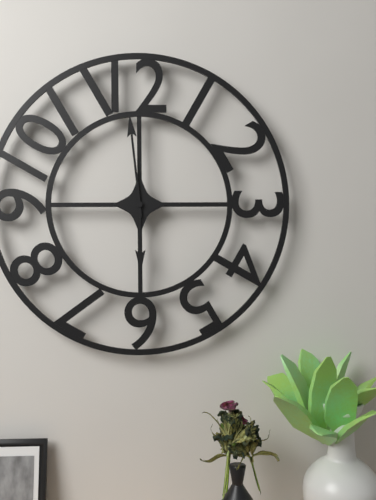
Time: {"hour": 5, "minute": 59}
